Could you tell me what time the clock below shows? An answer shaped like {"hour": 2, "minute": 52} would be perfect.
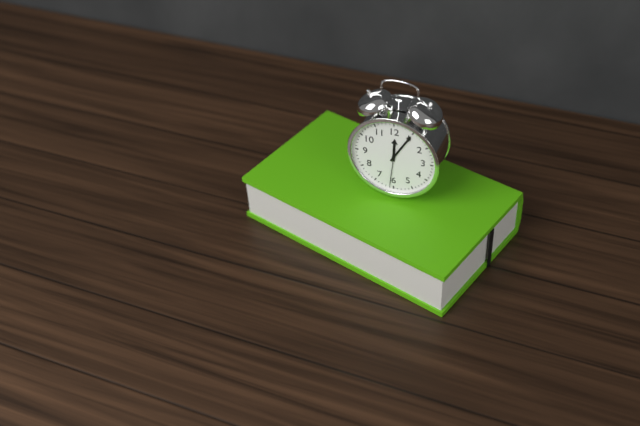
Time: {"hour": 12, "minute": 5}
